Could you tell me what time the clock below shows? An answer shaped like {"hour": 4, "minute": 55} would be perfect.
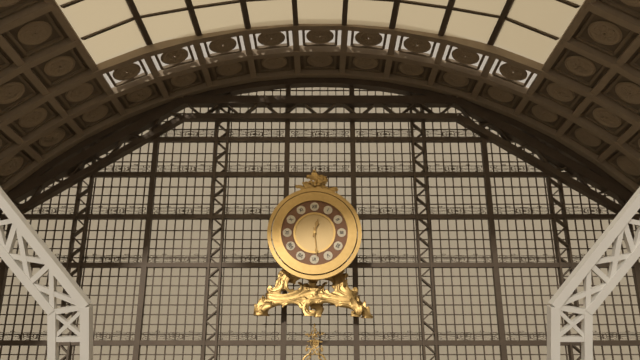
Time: {"hour": 12, "minute": 29}
